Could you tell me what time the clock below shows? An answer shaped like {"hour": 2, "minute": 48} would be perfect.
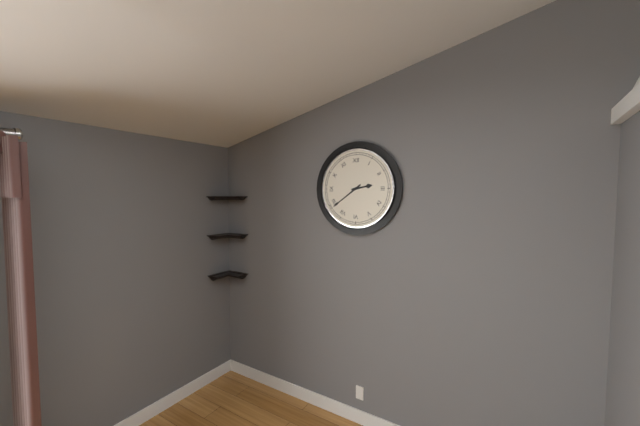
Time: {"hour": 2, "minute": 39}
